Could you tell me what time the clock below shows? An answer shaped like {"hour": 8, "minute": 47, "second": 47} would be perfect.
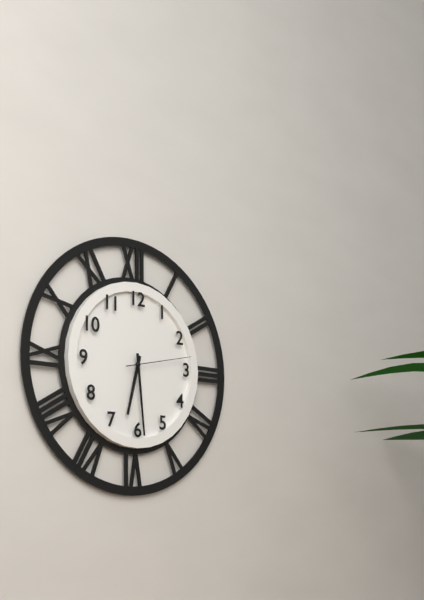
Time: {"hour": 6, "minute": 29, "second": 13}
